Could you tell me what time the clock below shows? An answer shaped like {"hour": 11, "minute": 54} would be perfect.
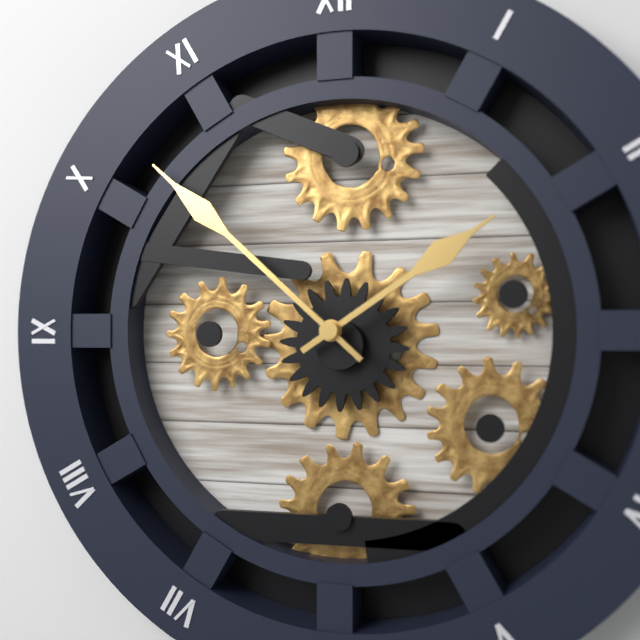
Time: {"hour": 1, "minute": 52}
